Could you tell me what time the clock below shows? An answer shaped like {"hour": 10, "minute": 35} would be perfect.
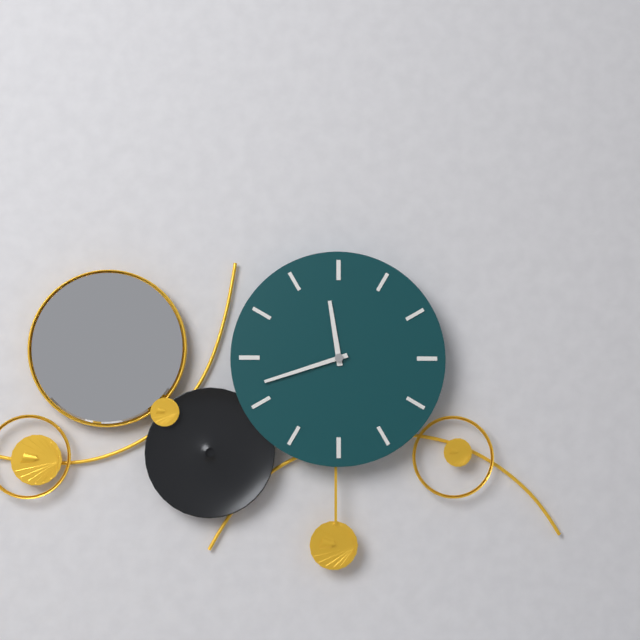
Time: {"hour": 11, "minute": 42}
